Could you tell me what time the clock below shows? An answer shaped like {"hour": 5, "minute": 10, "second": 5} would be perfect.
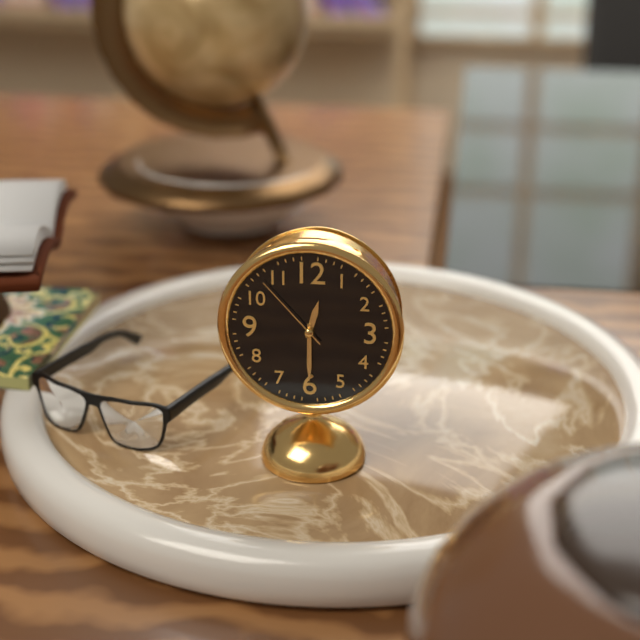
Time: {"hour": 12, "minute": 30, "second": 53}
